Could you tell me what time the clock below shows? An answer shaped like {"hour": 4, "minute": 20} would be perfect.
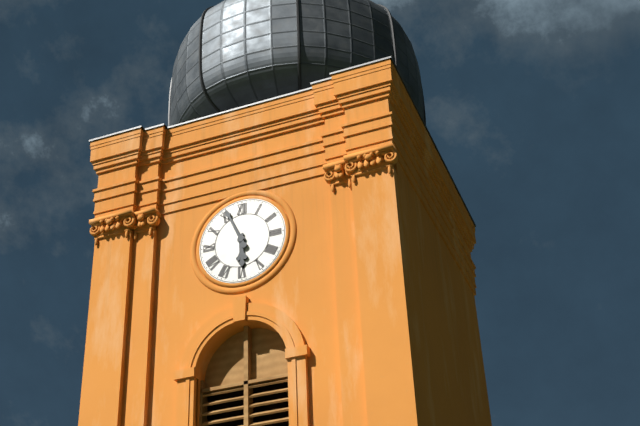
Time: {"hour": 5, "minute": 56}
